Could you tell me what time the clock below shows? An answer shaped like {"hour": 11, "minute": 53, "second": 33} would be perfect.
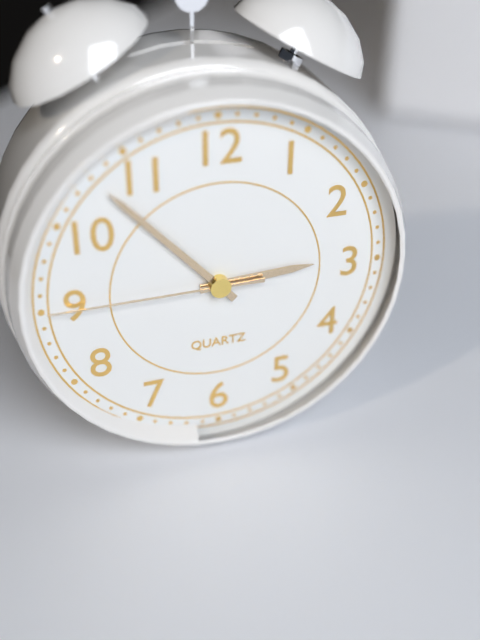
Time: {"hour": 2, "minute": 53, "second": 45}
